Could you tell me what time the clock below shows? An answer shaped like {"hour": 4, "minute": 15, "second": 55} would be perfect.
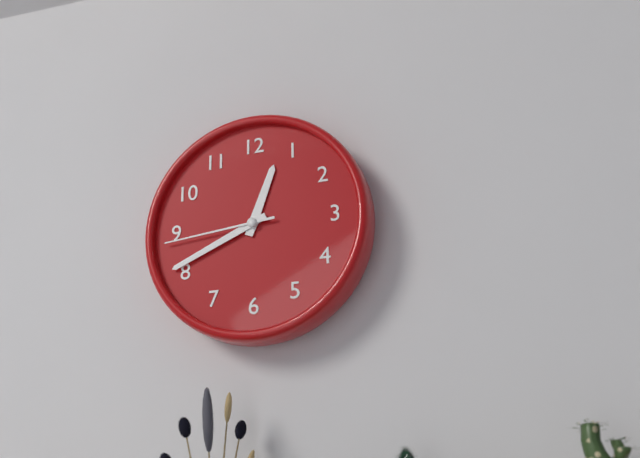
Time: {"hour": 12, "minute": 41, "second": 44}
